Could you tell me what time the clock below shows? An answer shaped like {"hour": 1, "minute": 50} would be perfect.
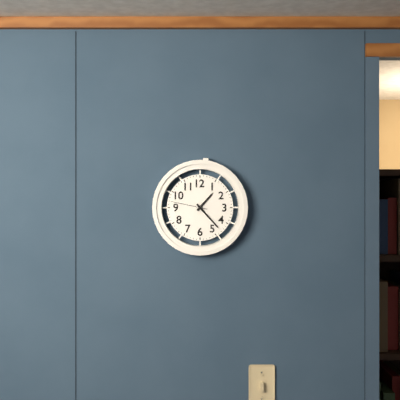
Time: {"hour": 1, "minute": 23}
